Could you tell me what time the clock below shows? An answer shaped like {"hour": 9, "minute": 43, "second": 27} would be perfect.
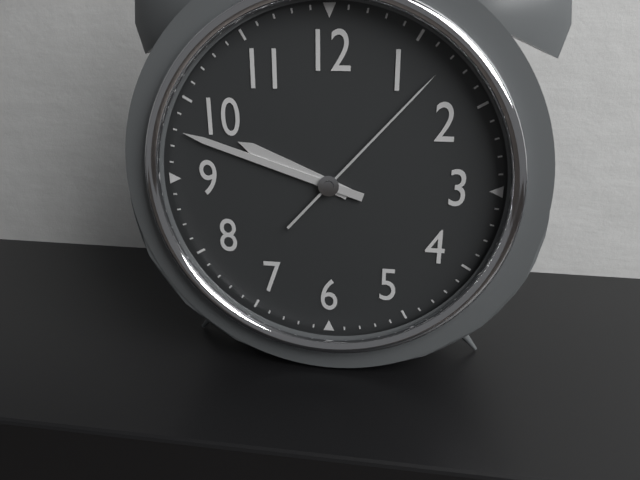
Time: {"hour": 9, "minute": 48, "second": 7}
